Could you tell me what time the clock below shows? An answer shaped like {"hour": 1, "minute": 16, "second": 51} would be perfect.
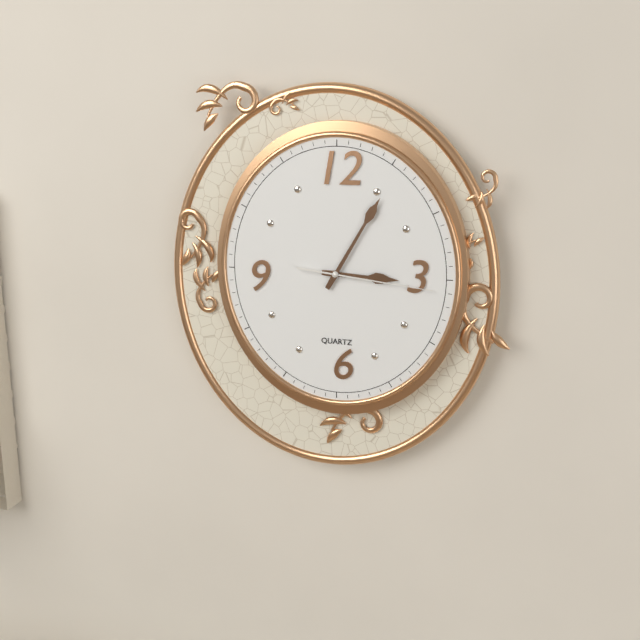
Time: {"hour": 3, "minute": 5, "second": 16}
